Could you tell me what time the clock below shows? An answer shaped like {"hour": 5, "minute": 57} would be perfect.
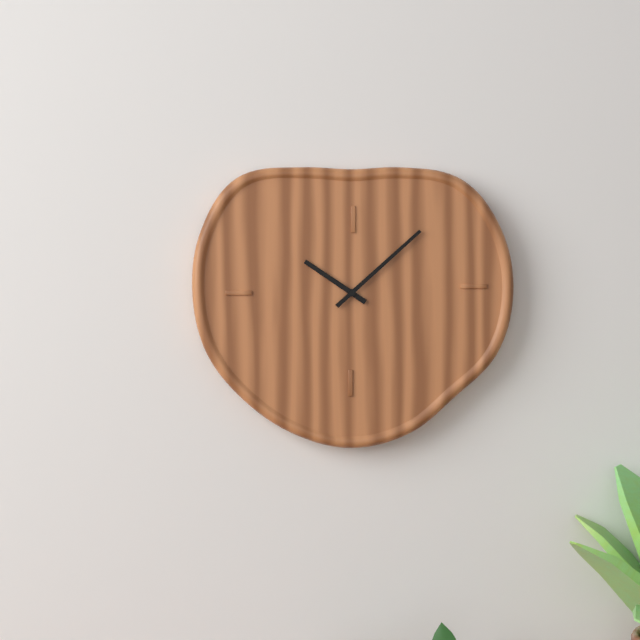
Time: {"hour": 10, "minute": 8}
